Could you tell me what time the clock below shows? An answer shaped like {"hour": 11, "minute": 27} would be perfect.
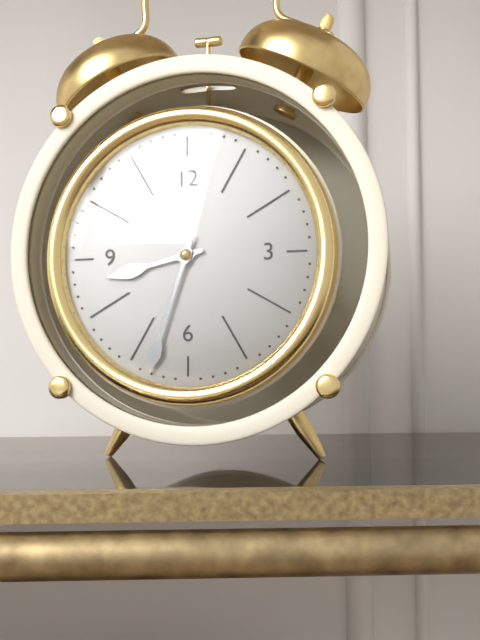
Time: {"hour": 8, "minute": 33}
